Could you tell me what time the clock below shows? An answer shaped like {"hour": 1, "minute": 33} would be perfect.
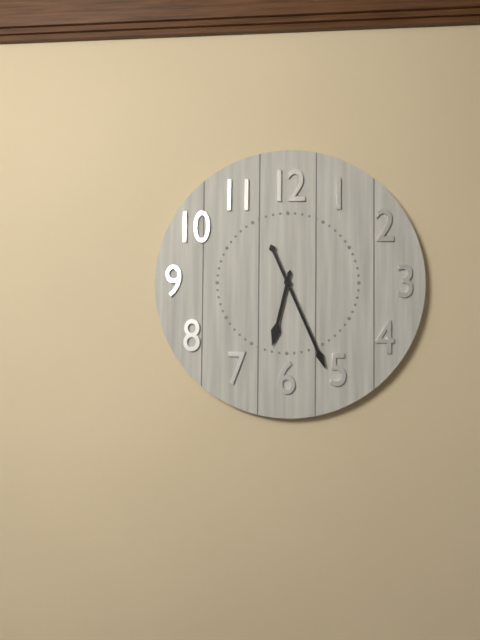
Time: {"hour": 6, "minute": 26}
